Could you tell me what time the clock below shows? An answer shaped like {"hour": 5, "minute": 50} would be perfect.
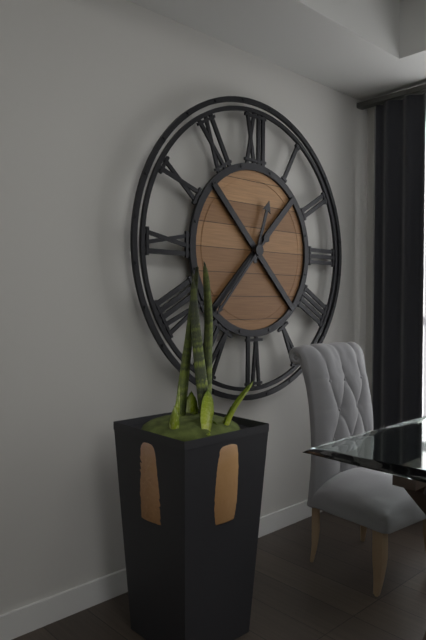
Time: {"hour": 12, "minute": 37}
